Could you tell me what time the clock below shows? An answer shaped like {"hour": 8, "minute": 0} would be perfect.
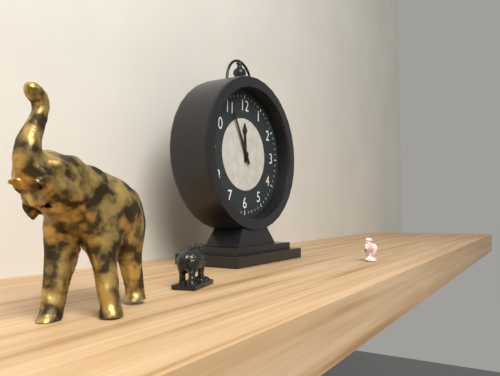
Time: {"hour": 11, "minute": 55}
